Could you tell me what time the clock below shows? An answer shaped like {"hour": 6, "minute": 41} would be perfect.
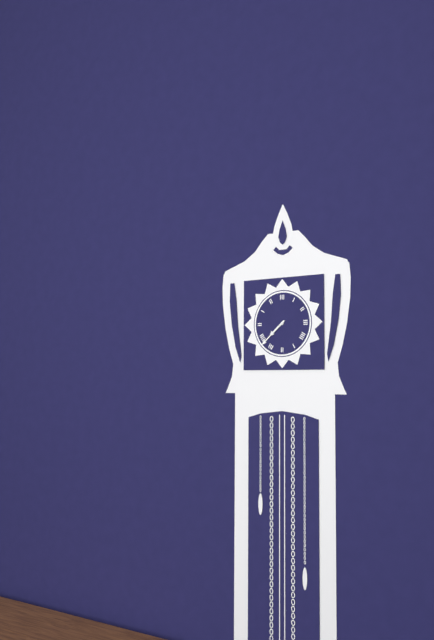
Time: {"hour": 7, "minute": 38}
